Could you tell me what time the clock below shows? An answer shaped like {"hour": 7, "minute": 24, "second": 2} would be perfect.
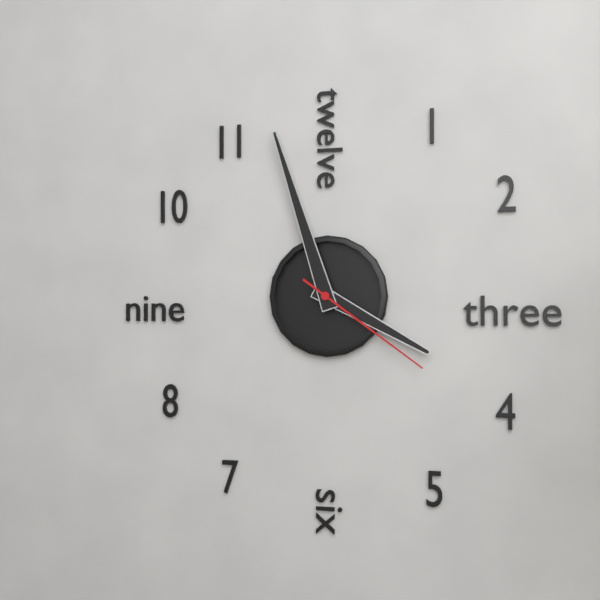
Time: {"hour": 3, "minute": 57, "second": 21}
